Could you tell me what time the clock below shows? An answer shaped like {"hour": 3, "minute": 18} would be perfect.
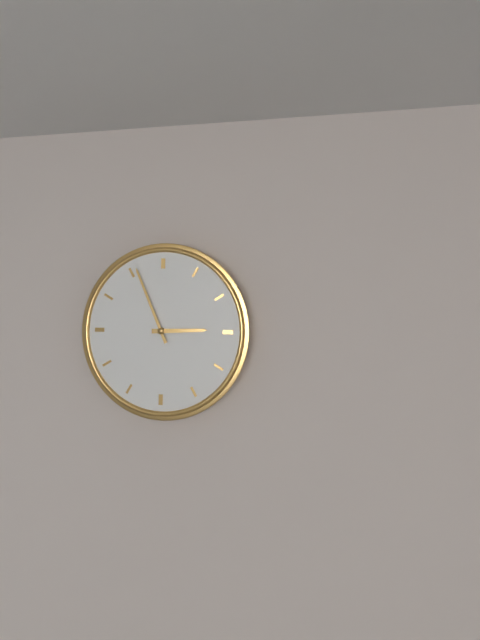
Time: {"hour": 2, "minute": 56}
